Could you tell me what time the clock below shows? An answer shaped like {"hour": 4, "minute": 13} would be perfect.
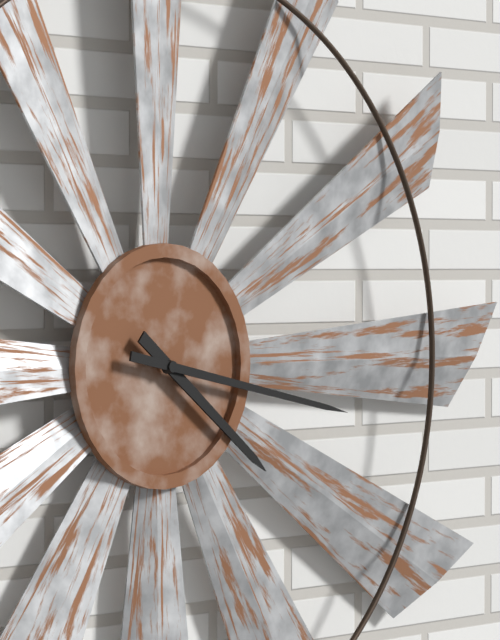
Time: {"hour": 4, "minute": 17}
